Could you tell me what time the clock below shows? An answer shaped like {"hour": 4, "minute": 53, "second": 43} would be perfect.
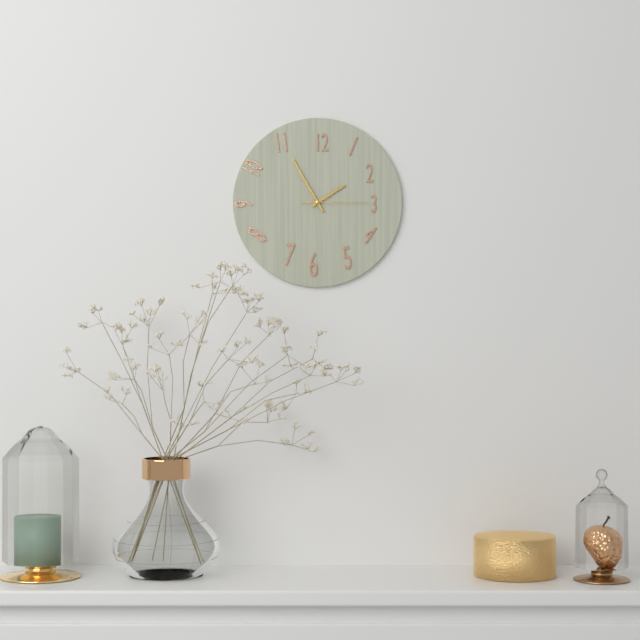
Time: {"hour": 1, "minute": 55, "second": 15}
